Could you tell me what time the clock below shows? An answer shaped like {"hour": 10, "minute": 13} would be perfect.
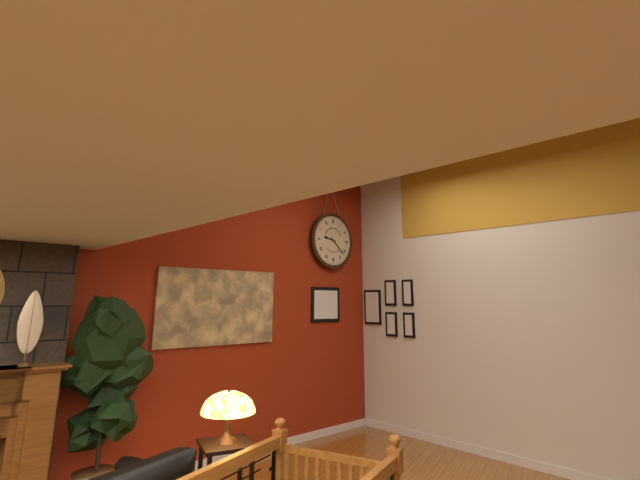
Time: {"hour": 9, "minute": 22}
